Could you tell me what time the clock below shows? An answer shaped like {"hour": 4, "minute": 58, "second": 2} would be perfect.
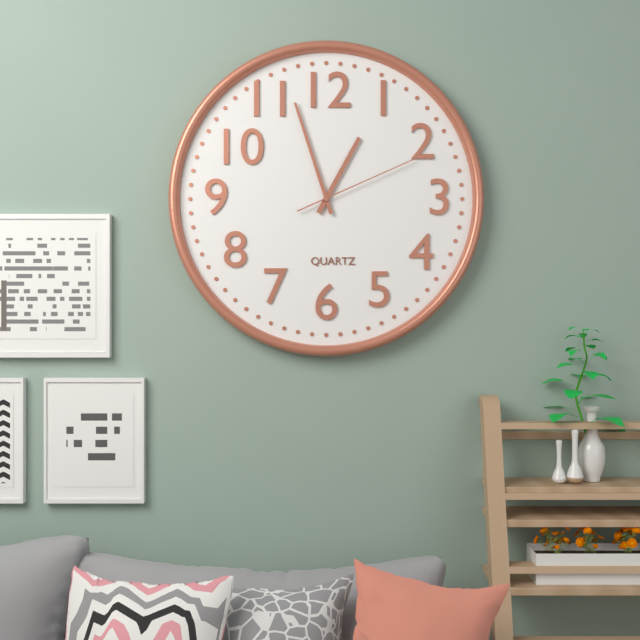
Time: {"hour": 12, "minute": 57, "second": 11}
